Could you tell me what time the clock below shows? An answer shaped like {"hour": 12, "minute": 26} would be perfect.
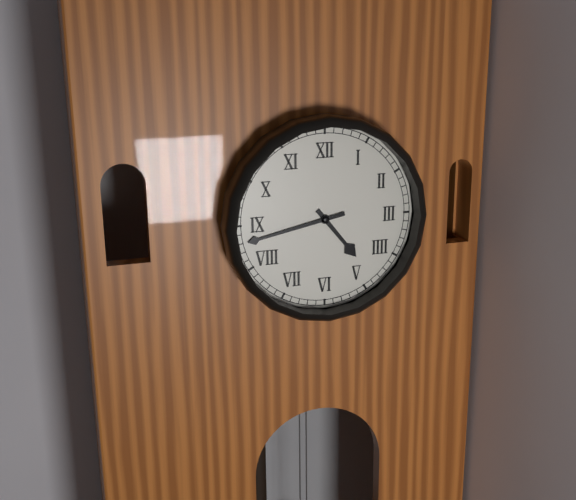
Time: {"hour": 4, "minute": 43}
